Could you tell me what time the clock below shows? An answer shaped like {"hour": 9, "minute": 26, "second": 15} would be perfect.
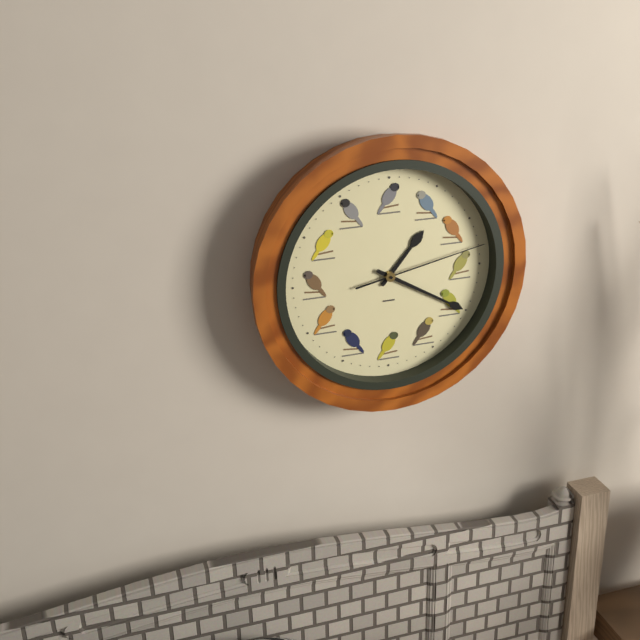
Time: {"hour": 1, "minute": 20, "second": 13}
